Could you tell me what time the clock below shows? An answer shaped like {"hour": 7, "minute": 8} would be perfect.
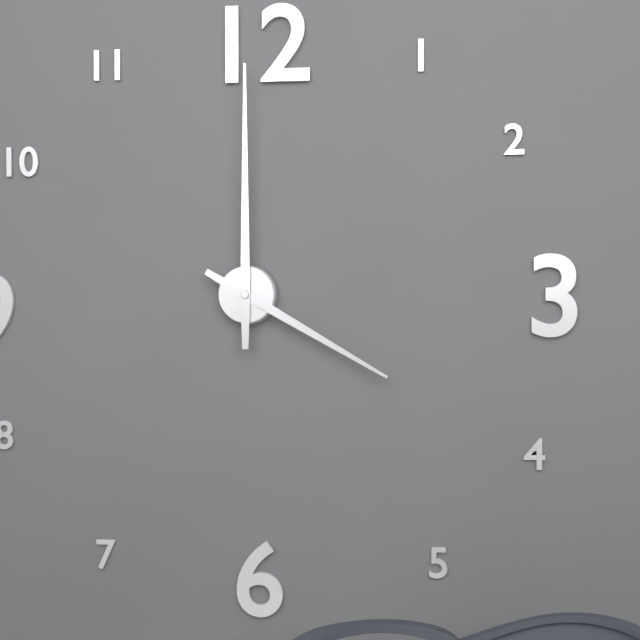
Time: {"hour": 4, "minute": 0}
